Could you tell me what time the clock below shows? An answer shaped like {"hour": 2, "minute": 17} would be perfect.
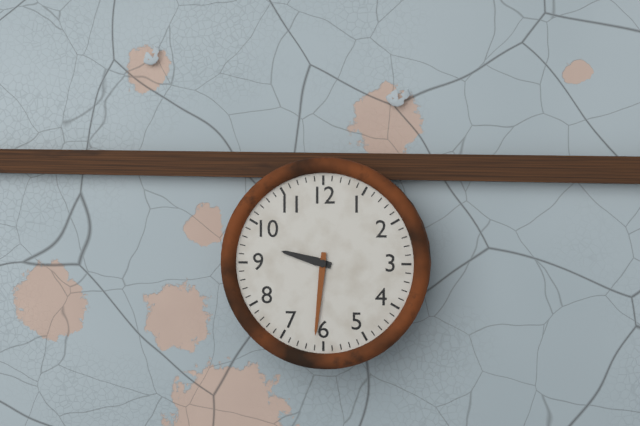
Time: {"hour": 9, "minute": 31}
